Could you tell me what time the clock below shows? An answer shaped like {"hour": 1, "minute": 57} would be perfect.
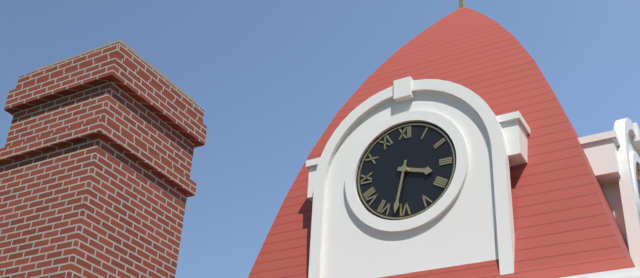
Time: {"hour": 3, "minute": 32}
